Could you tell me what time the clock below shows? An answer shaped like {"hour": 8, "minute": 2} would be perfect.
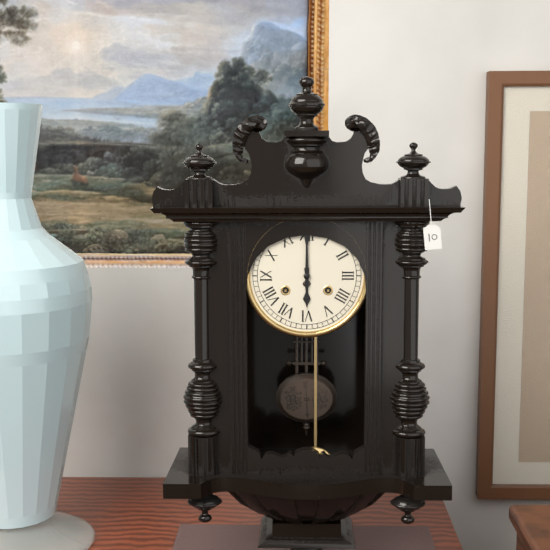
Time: {"hour": 6, "minute": 0}
